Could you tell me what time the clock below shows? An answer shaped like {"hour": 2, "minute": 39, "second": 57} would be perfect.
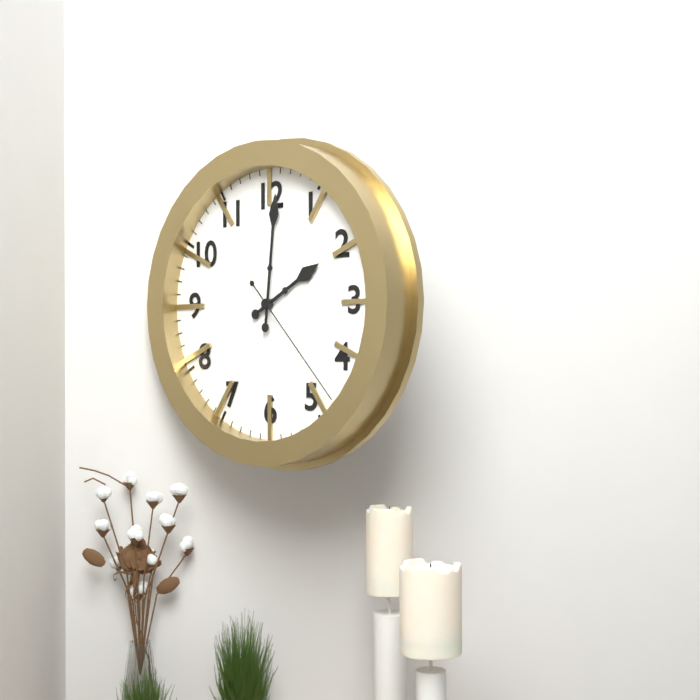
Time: {"hour": 2, "minute": 1, "second": 23}
